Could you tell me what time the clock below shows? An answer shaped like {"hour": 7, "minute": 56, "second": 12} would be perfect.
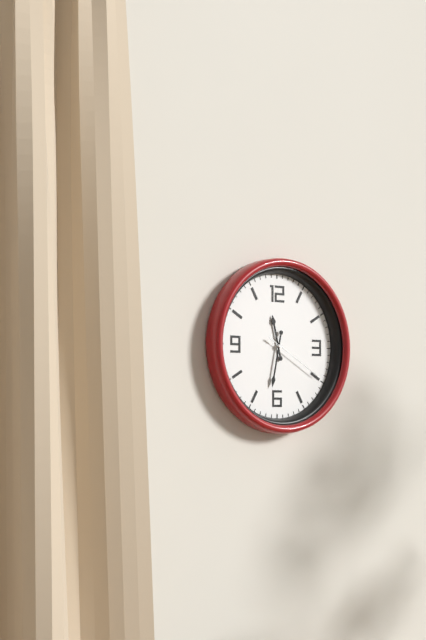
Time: {"hour": 11, "minute": 32, "second": 20}
